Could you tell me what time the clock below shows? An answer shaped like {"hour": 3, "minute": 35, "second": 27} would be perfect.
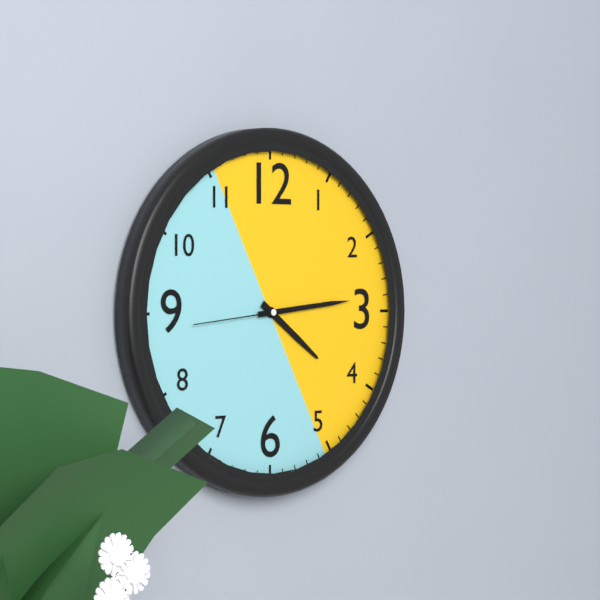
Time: {"hour": 4, "minute": 14, "second": 44}
